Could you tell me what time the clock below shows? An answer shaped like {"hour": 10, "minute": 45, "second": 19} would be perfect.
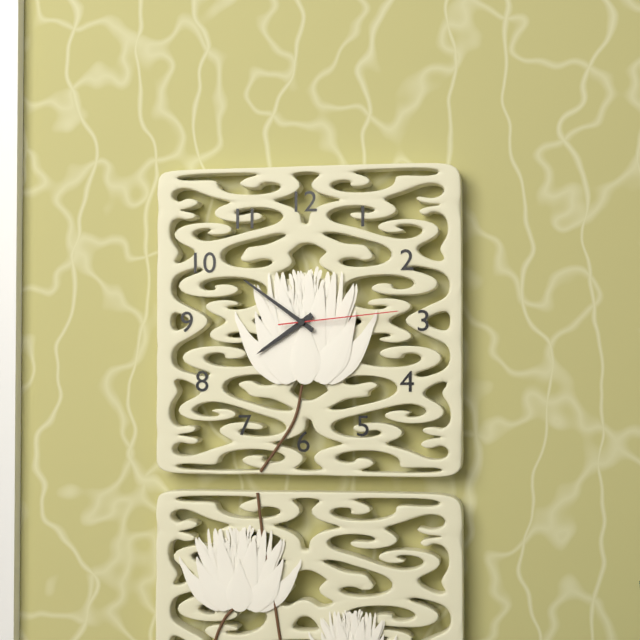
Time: {"hour": 7, "minute": 51, "second": 14}
